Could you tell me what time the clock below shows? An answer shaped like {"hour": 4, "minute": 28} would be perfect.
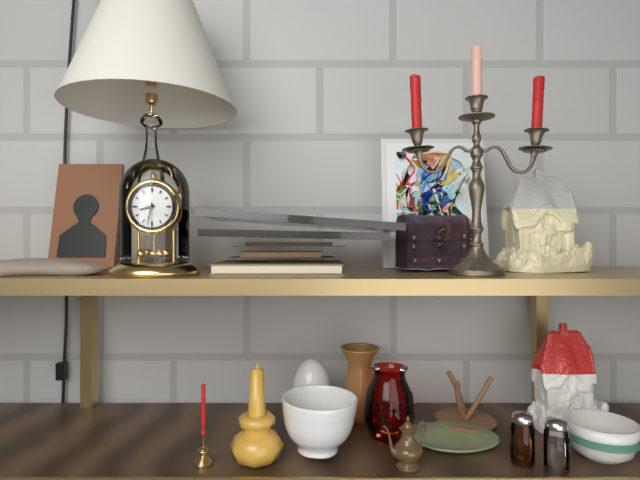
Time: {"hour": 8, "minute": 32}
